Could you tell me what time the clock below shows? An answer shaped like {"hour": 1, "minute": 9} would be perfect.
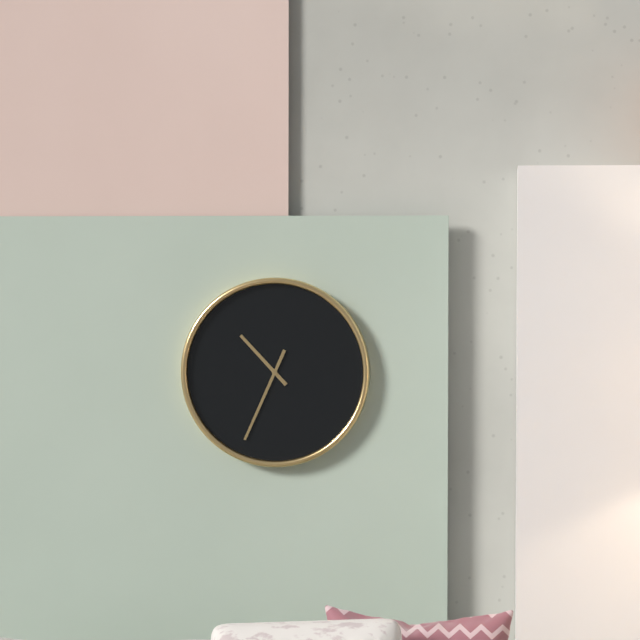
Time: {"hour": 10, "minute": 34}
